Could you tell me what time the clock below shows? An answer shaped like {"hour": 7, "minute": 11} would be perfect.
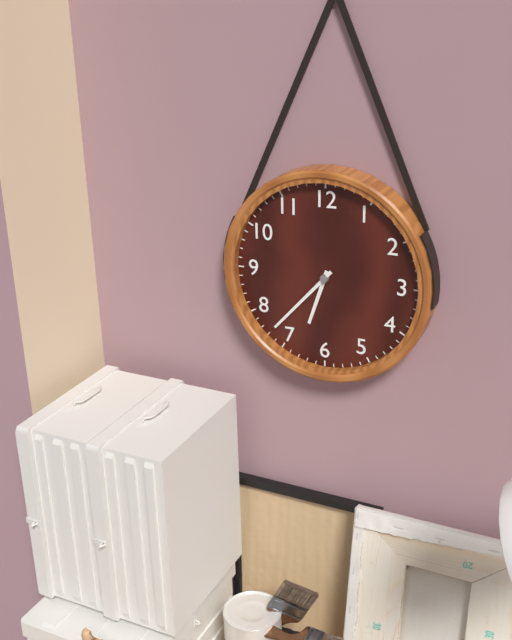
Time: {"hour": 6, "minute": 37}
